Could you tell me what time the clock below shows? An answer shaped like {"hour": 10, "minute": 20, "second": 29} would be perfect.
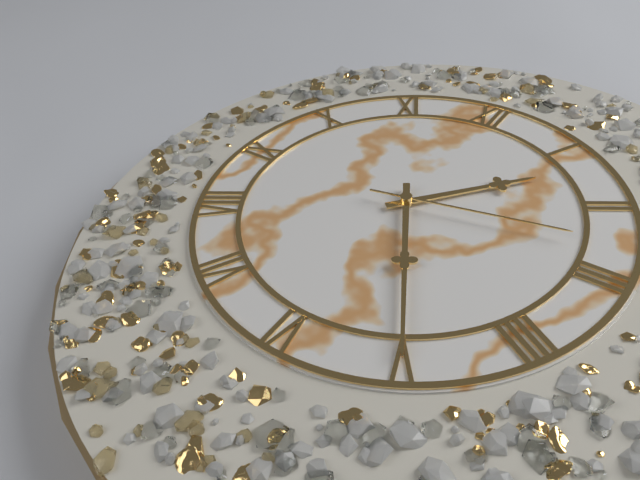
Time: {"hour": 1, "minute": 25, "second": 13}
